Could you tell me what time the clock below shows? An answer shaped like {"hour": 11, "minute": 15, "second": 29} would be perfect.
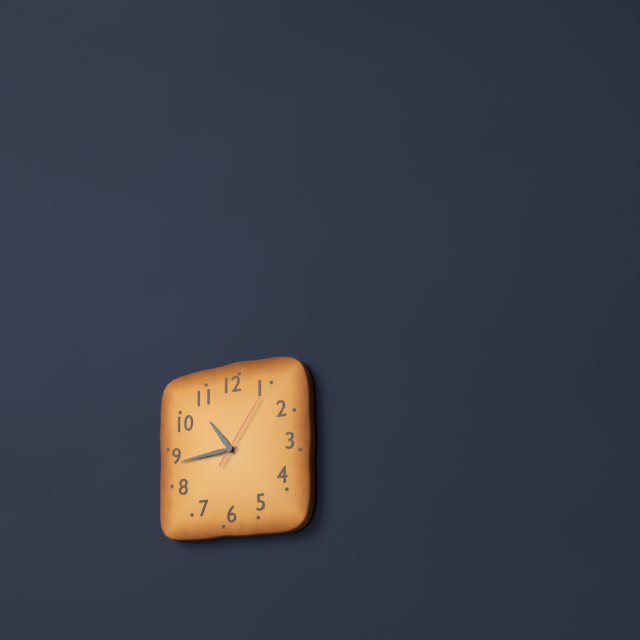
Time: {"hour": 10, "minute": 44, "second": 6}
